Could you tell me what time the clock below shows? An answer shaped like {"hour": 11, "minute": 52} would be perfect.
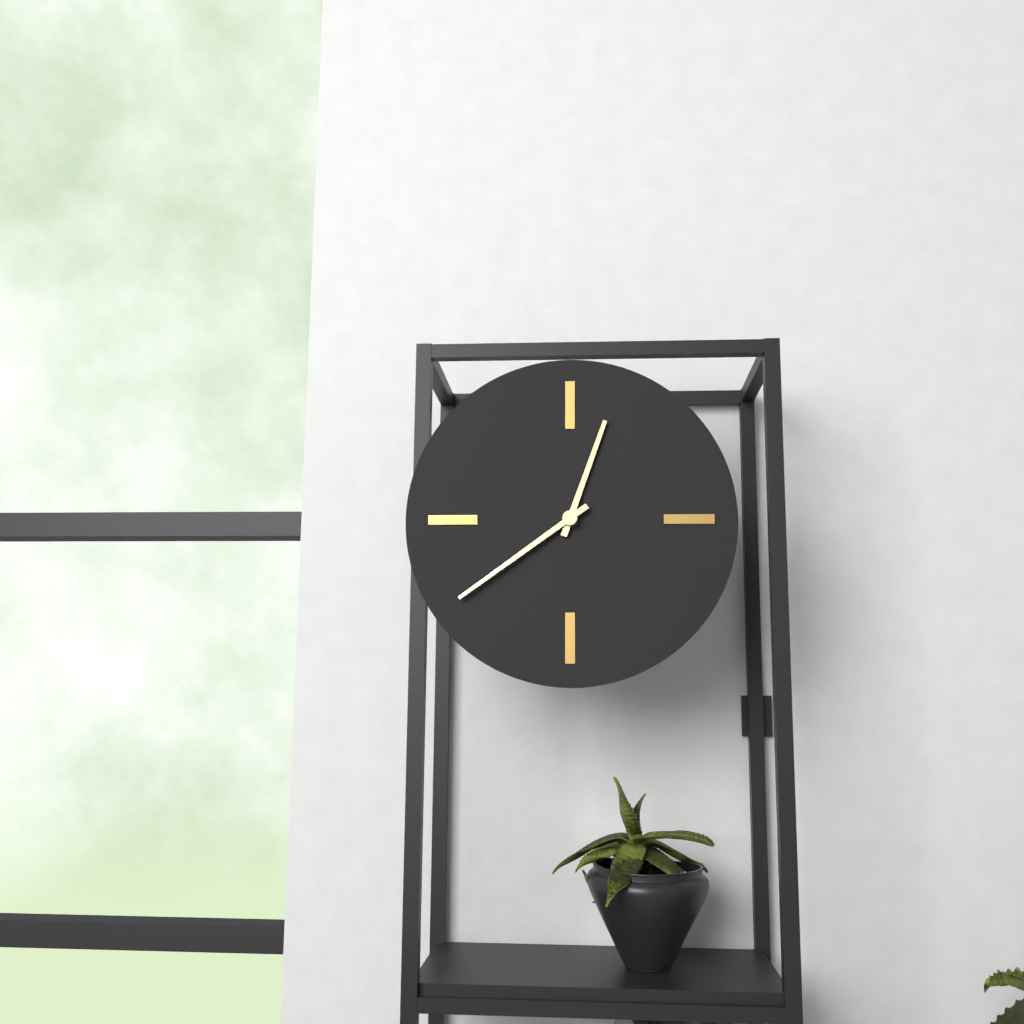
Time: {"hour": 12, "minute": 39}
